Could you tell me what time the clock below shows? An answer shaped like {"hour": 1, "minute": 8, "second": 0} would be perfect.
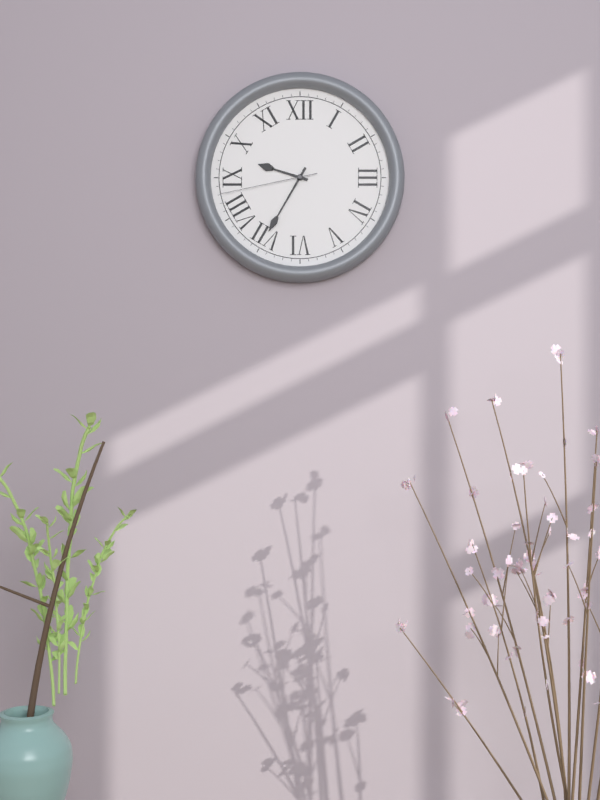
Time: {"hour": 9, "minute": 35, "second": 43}
